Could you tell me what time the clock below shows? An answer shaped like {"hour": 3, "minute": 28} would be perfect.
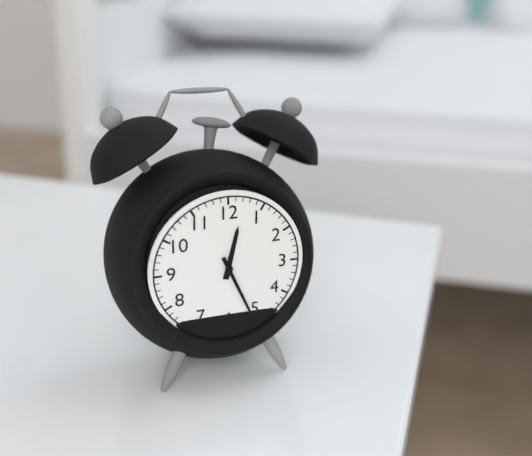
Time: {"hour": 12, "minute": 26}
